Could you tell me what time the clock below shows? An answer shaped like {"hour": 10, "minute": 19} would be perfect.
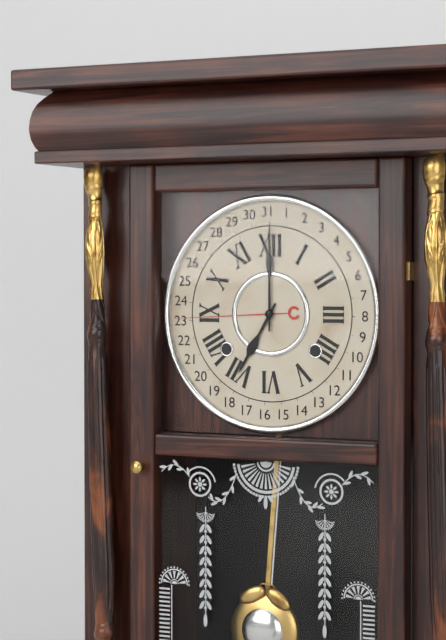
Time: {"hour": 7, "minute": 0}
